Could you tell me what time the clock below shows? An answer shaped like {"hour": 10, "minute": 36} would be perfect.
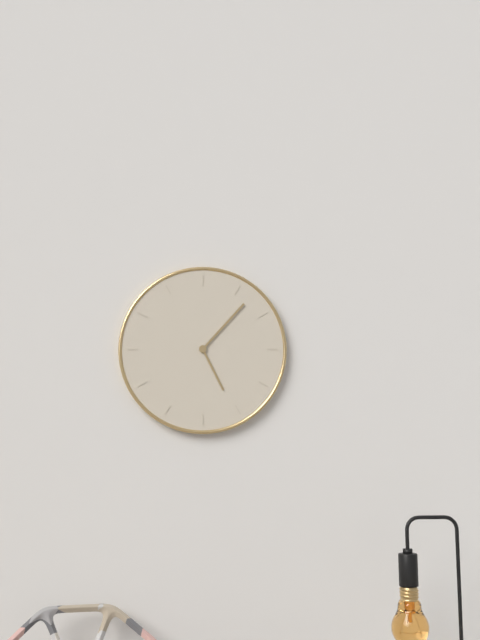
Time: {"hour": 5, "minute": 7}
